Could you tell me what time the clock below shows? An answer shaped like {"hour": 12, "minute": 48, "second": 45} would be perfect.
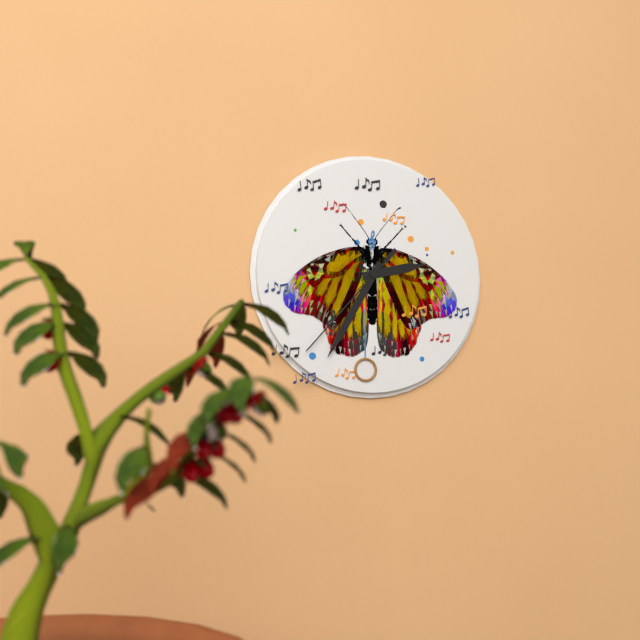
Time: {"hour": 2, "minute": 35, "second": 37}
